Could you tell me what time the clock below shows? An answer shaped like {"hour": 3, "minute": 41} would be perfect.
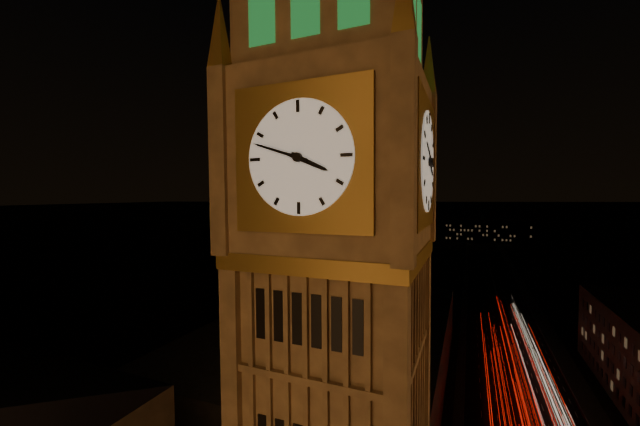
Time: {"hour": 3, "minute": 48}
